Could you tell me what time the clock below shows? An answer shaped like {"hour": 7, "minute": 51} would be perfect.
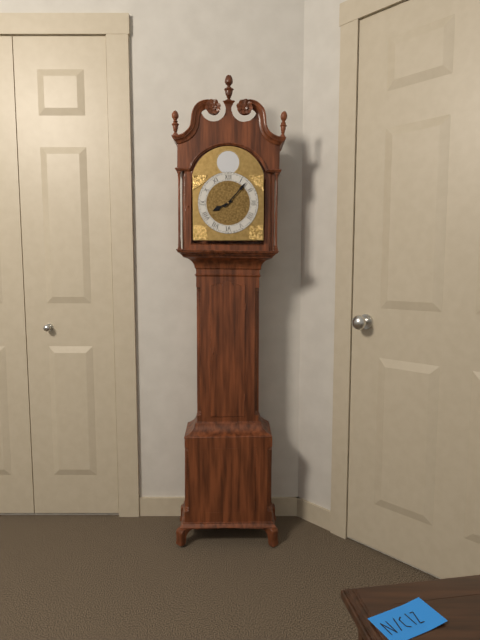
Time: {"hour": 8, "minute": 7}
